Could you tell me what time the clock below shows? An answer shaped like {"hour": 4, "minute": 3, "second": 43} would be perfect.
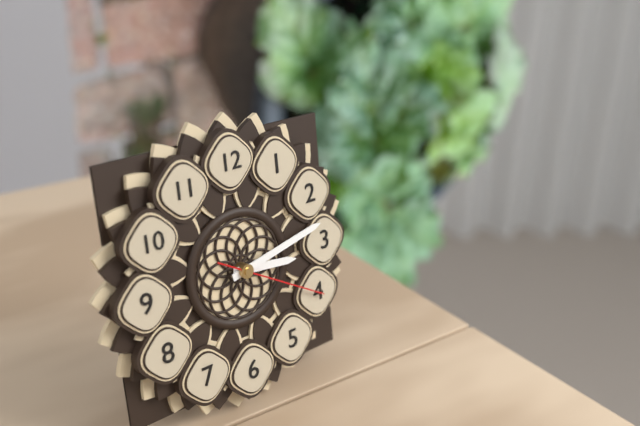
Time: {"hour": 3, "minute": 13, "second": 20}
